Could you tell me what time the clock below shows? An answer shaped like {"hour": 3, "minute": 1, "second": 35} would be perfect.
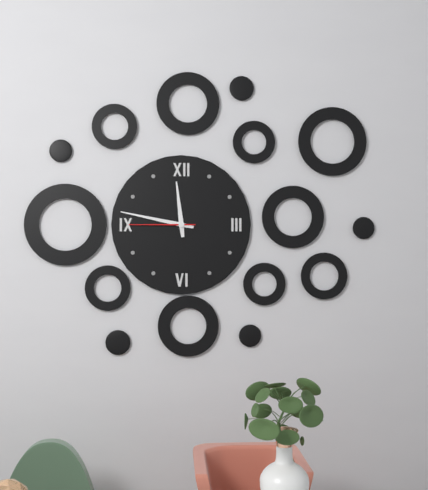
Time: {"hour": 11, "minute": 47, "second": 45}
